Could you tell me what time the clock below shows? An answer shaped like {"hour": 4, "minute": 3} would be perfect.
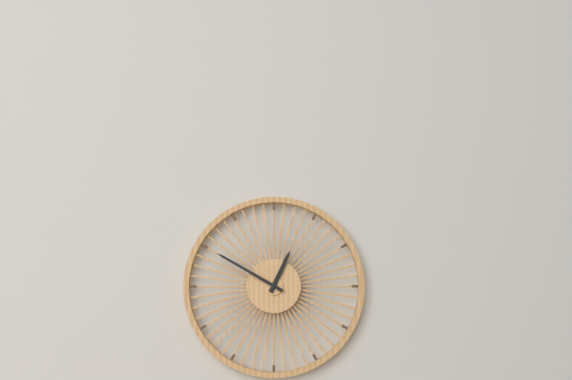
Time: {"hour": 12, "minute": 50}
